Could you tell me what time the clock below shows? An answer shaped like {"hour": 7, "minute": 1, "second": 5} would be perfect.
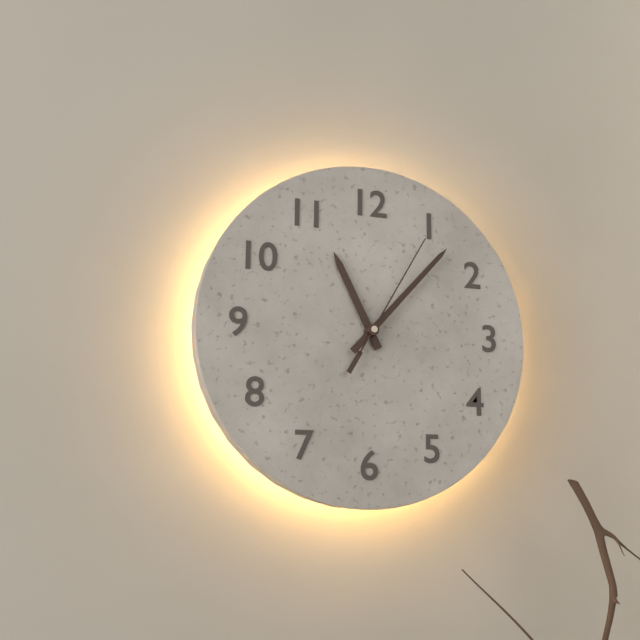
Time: {"hour": 11, "minute": 7, "second": 5}
